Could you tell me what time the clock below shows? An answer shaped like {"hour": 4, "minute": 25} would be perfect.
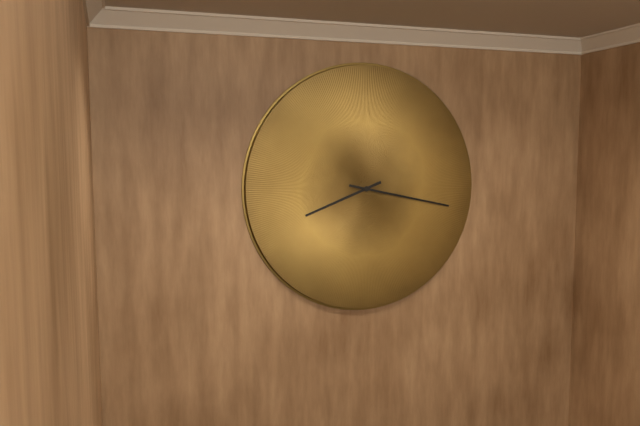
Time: {"hour": 8, "minute": 17}
